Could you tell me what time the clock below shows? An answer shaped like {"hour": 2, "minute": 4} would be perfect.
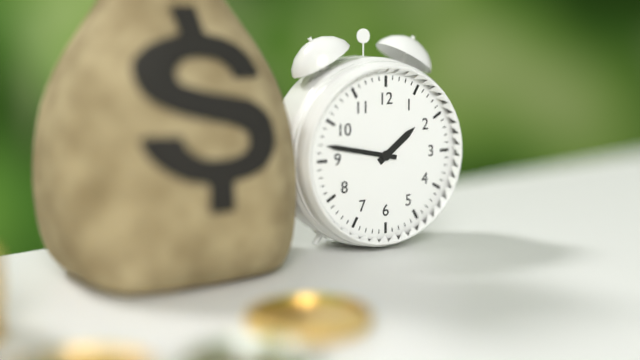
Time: {"hour": 1, "minute": 47}
